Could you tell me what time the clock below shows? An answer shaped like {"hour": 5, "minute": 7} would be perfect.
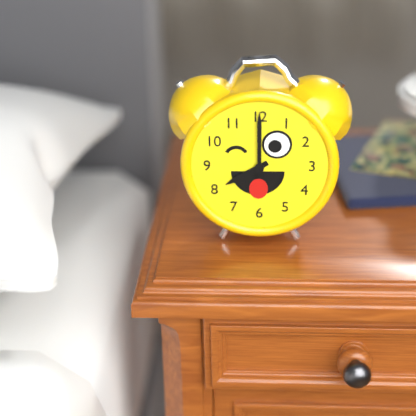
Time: {"hour": 8, "minute": 0}
